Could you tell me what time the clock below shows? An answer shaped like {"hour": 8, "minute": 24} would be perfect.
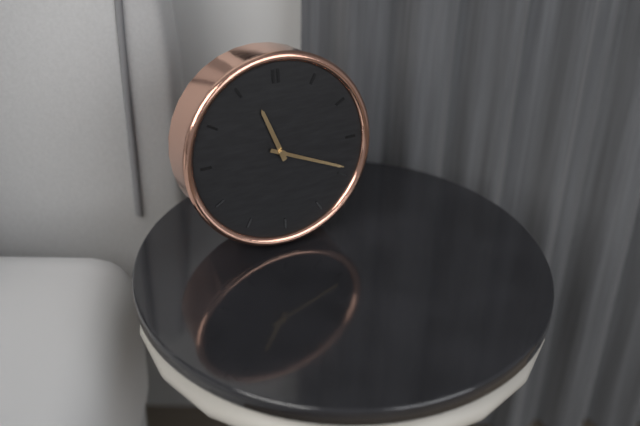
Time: {"hour": 11, "minute": 19}
